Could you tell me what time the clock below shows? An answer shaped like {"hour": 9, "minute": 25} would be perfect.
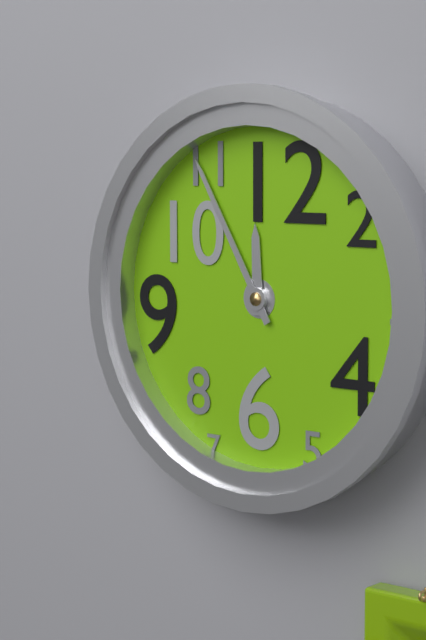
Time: {"hour": 11, "minute": 55}
